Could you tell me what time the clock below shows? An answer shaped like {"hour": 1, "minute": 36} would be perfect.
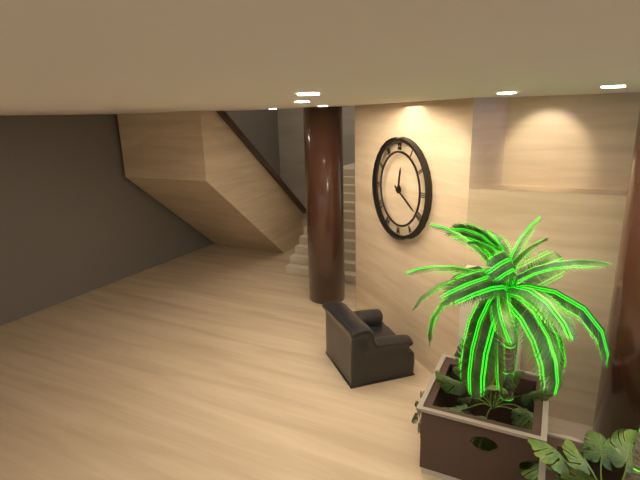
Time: {"hour": 12, "minute": 20}
